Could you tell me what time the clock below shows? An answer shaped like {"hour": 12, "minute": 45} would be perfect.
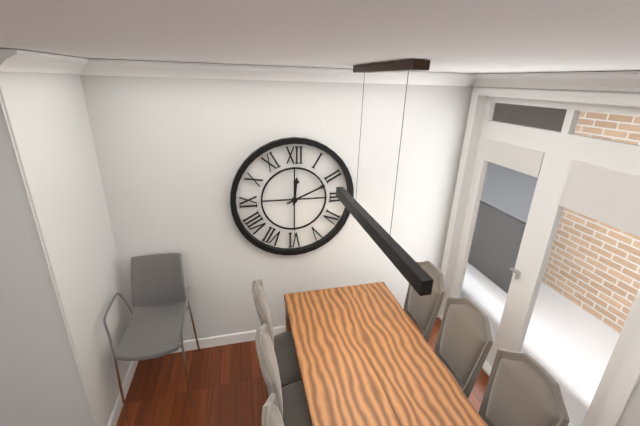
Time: {"hour": 12, "minute": 11}
